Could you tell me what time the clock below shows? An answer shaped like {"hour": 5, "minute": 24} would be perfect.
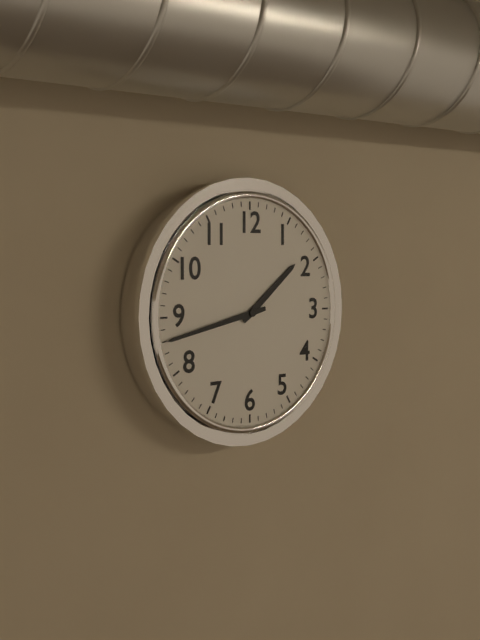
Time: {"hour": 1, "minute": 43}
